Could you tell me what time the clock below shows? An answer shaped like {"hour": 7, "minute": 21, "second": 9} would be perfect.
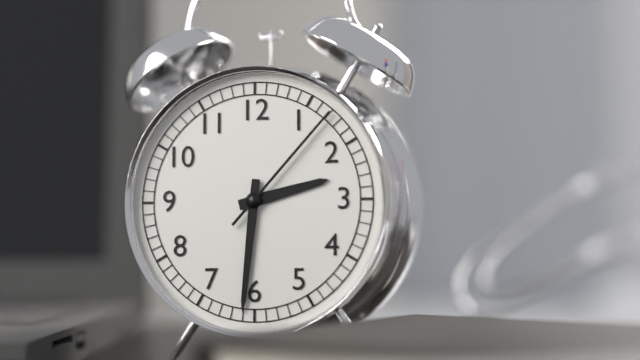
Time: {"hour": 2, "minute": 31, "second": 7}
